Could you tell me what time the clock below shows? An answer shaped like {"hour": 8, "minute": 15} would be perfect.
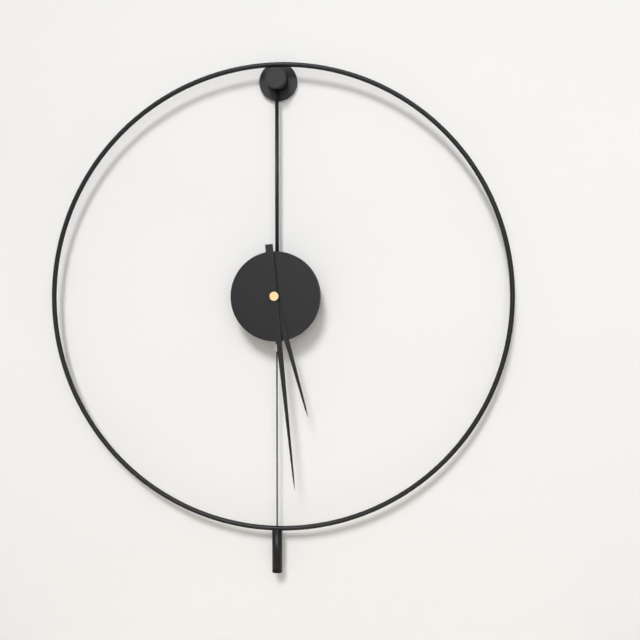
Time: {"hour": 5, "minute": 29}
